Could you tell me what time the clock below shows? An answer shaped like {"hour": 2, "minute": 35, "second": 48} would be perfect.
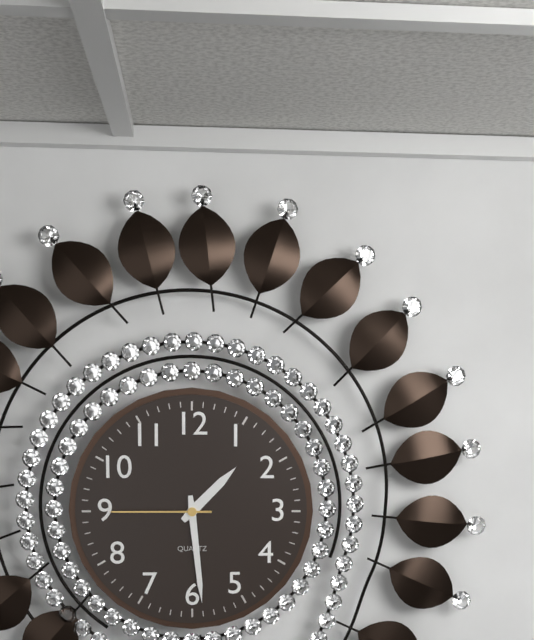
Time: {"hour": 1, "minute": 29, "second": 45}
